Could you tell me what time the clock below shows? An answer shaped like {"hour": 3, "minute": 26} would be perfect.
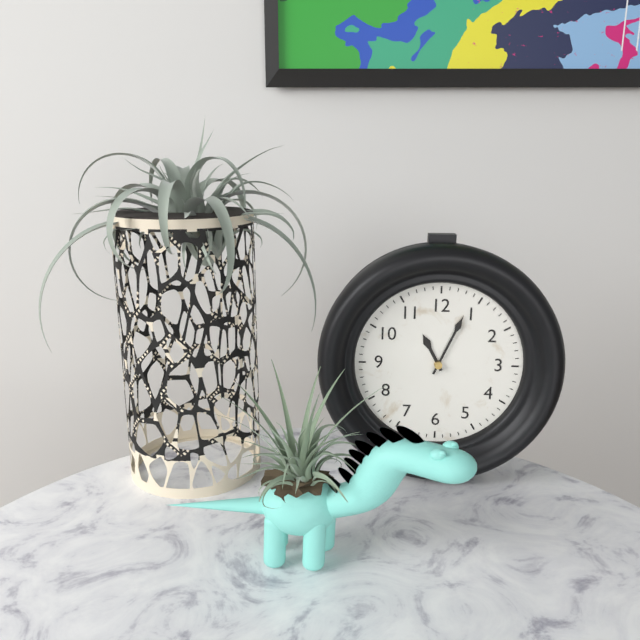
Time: {"hour": 11, "minute": 4}
